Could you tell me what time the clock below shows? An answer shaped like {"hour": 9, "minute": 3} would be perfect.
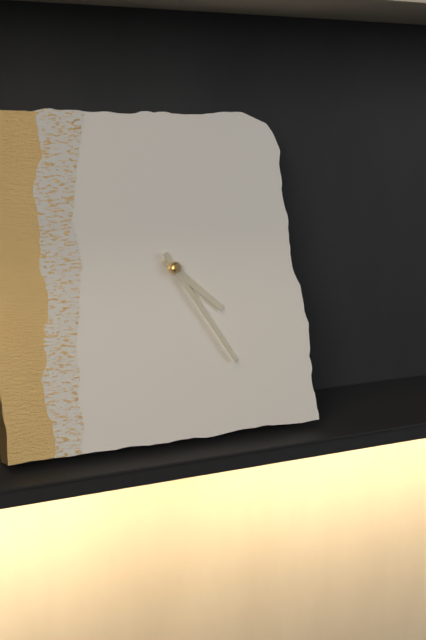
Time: {"hour": 4, "minute": 25}
